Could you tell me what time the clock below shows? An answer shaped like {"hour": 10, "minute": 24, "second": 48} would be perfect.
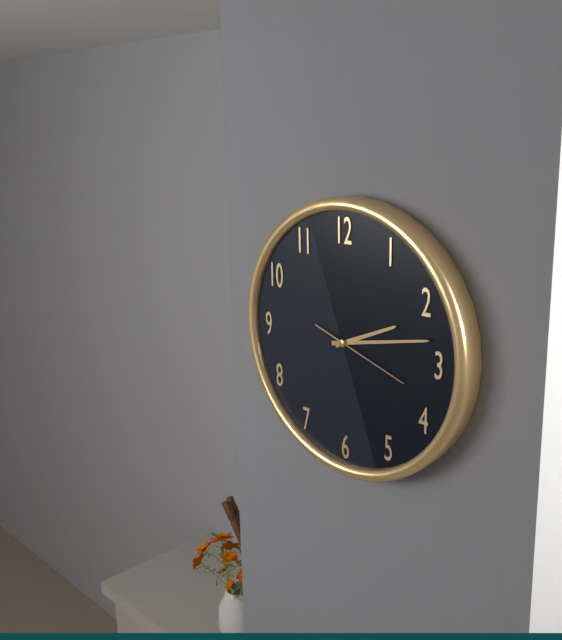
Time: {"hour": 2, "minute": 13, "second": 18}
